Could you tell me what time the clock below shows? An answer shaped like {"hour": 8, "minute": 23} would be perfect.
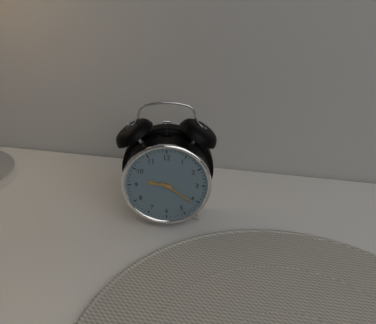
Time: {"hour": 9, "minute": 21}
